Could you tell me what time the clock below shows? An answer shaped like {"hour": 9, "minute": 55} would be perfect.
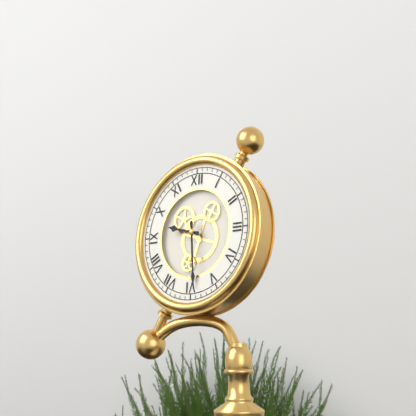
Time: {"hour": 9, "minute": 29}
